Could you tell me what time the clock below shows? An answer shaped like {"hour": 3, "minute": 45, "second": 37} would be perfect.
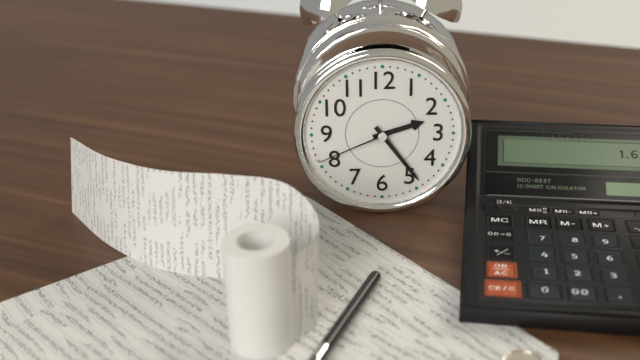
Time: {"hour": 2, "minute": 24, "second": 41}
